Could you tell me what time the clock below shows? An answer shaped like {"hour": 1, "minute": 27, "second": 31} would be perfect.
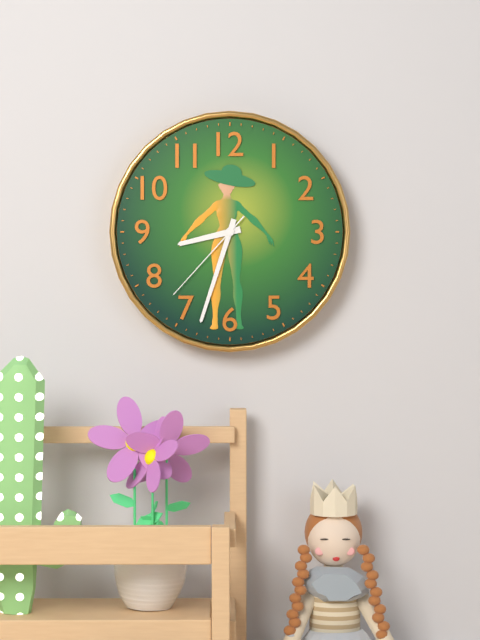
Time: {"hour": 8, "minute": 33, "second": 37}
